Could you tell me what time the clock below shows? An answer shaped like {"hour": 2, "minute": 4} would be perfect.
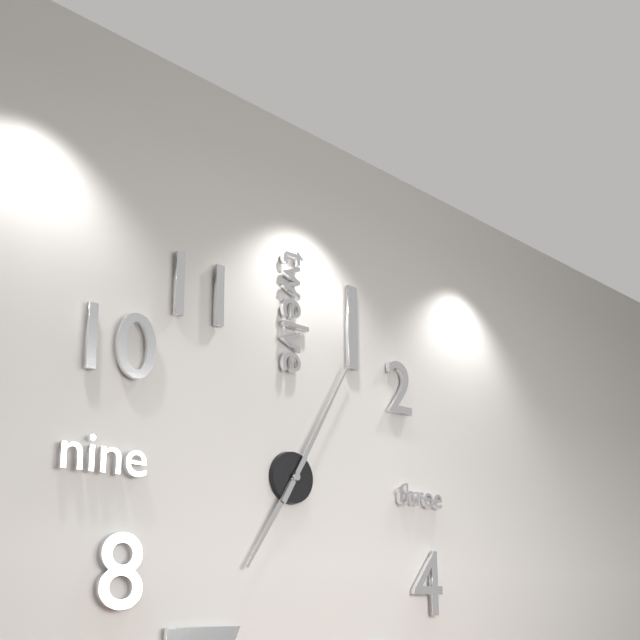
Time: {"hour": 7, "minute": 5}
